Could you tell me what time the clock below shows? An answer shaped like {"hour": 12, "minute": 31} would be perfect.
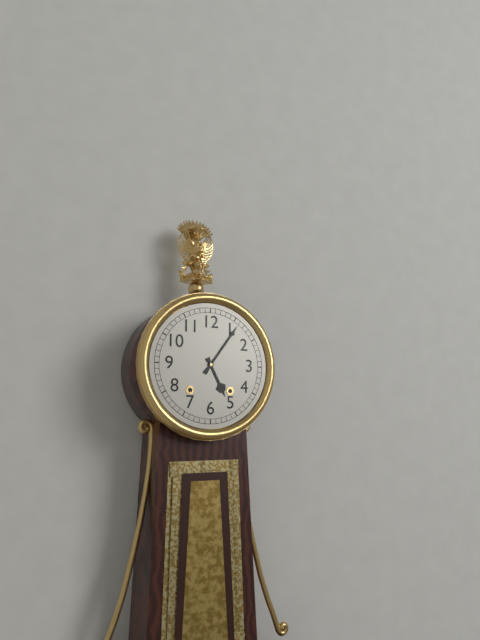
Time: {"hour": 5, "minute": 6}
